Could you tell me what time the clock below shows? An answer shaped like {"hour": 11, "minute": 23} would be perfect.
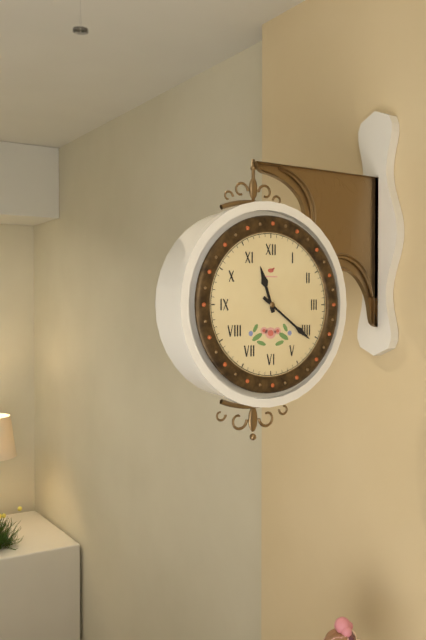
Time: {"hour": 11, "minute": 21}
